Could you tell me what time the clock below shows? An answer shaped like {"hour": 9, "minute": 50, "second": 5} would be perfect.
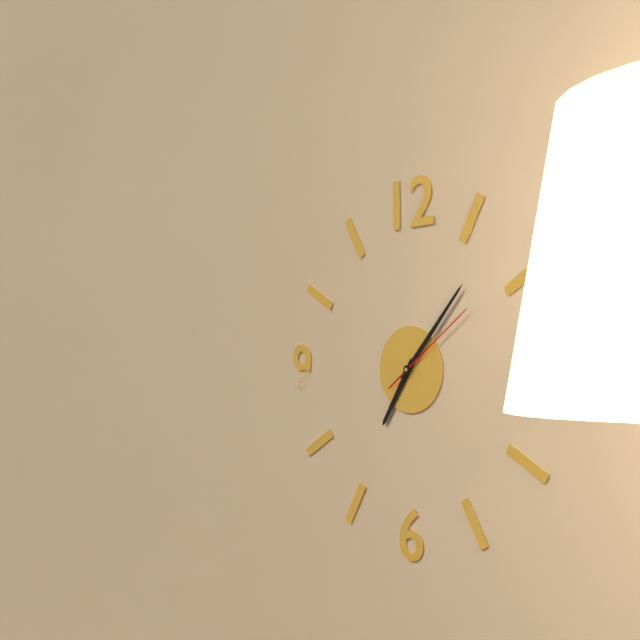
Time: {"hour": 7, "minute": 7, "second": 9}
